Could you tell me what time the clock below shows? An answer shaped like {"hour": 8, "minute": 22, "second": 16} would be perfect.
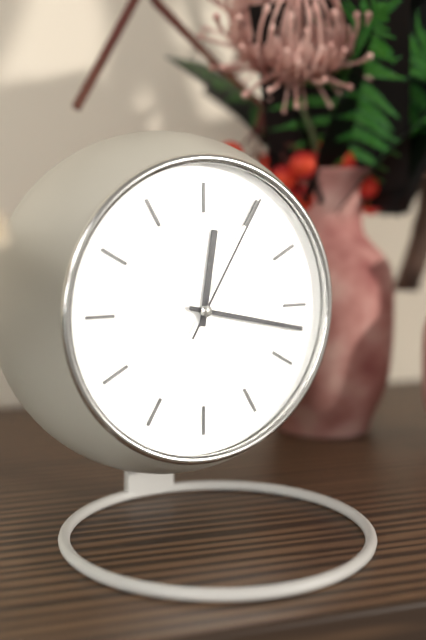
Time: {"hour": 12, "minute": 17, "second": 5}
